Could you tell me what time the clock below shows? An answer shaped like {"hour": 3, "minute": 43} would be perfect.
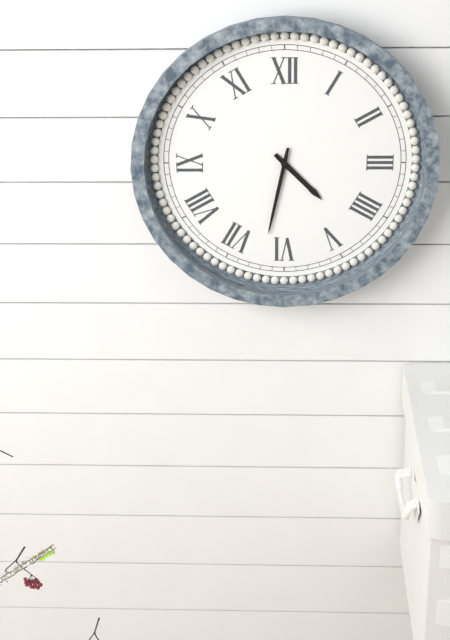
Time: {"hour": 4, "minute": 32}
